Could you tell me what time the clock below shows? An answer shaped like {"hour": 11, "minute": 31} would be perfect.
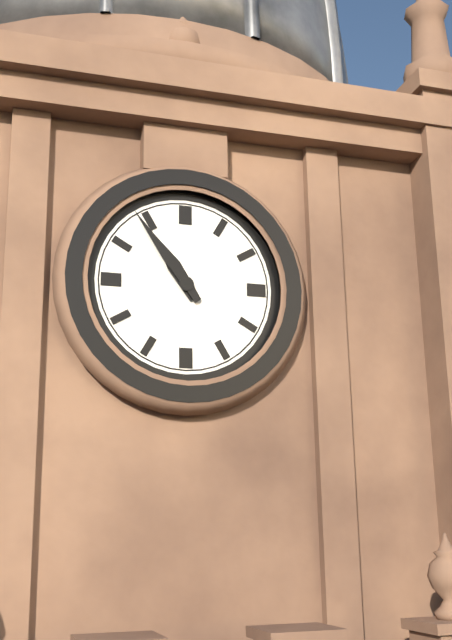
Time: {"hour": 10, "minute": 54}
